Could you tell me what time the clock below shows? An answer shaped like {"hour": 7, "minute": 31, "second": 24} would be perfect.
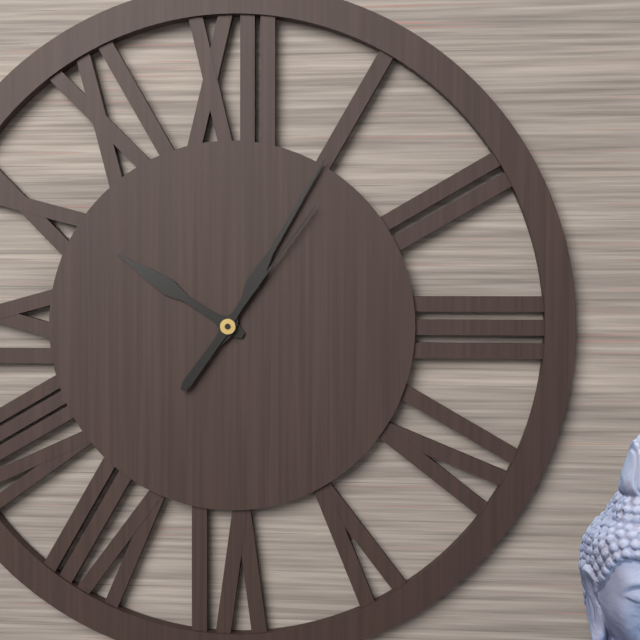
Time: {"hour": 10, "minute": 5, "second": 6}
